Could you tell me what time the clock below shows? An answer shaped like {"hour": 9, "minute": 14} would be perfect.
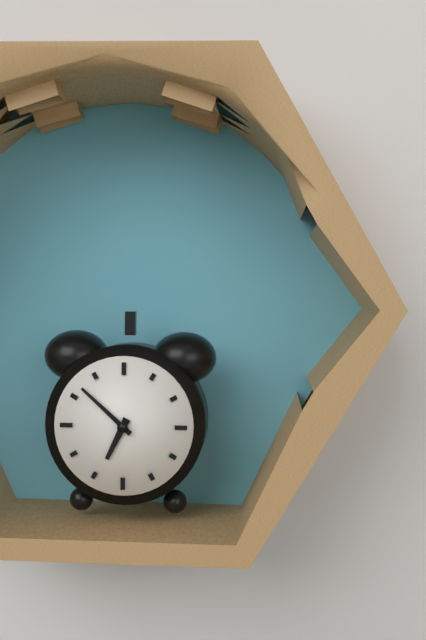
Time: {"hour": 6, "minute": 52}
